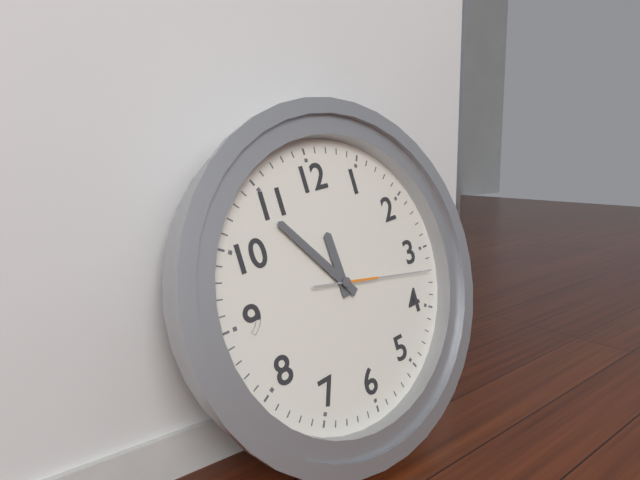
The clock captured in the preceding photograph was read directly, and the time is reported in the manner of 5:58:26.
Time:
11:54:17
